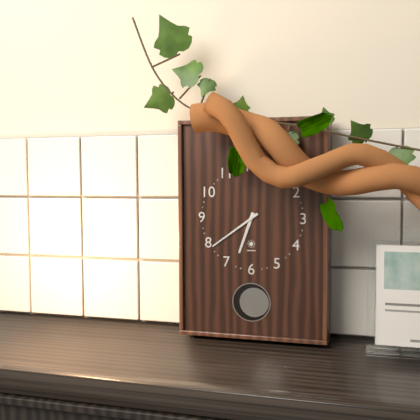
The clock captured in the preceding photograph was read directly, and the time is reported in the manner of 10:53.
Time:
6:39
